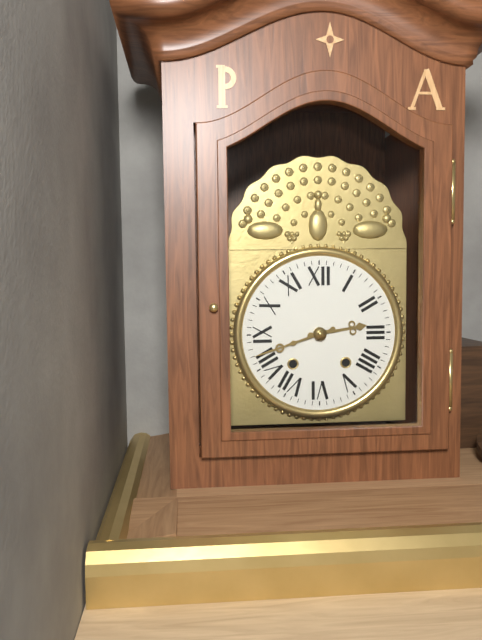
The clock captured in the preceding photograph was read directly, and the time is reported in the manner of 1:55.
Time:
2:42
